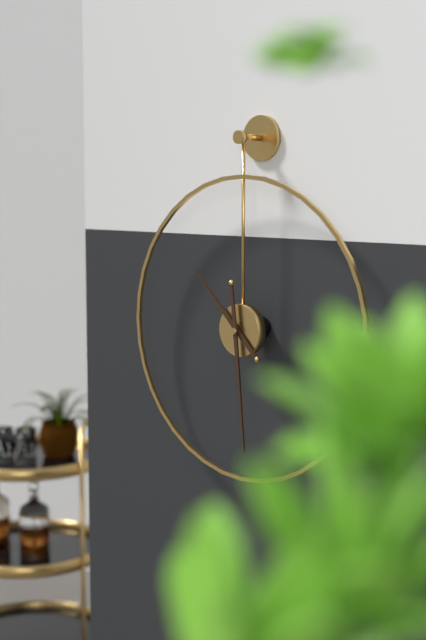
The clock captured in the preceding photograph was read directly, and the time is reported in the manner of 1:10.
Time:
10:29
